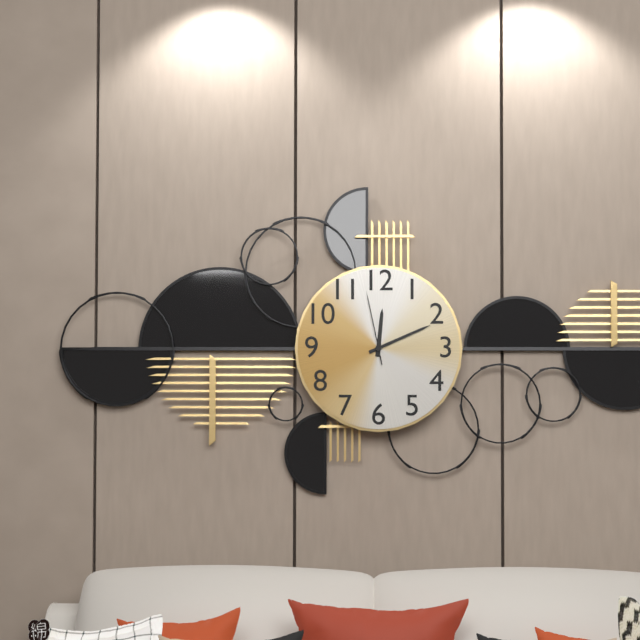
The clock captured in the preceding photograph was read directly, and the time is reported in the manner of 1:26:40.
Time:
12:11:58
